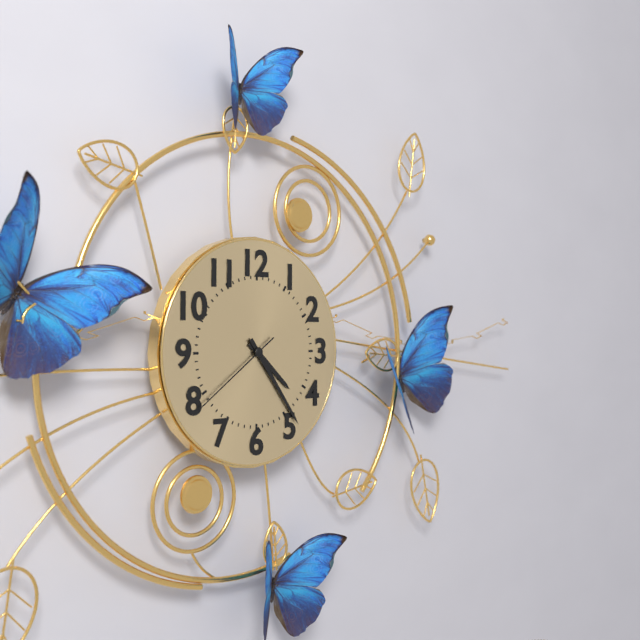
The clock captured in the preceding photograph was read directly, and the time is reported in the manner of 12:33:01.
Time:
4:24:39
